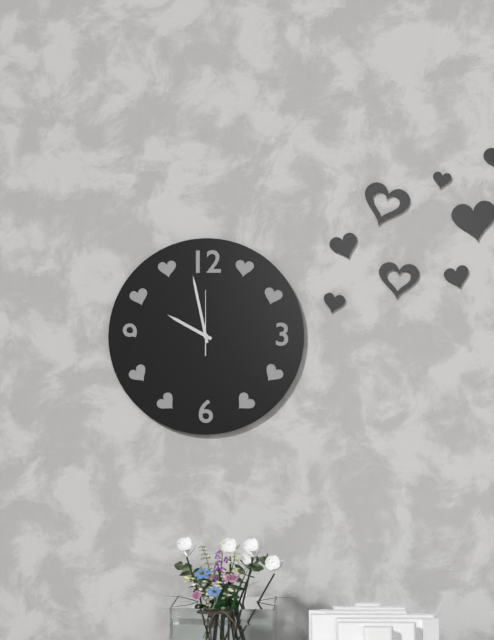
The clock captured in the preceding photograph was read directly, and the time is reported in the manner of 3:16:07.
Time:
9:58:00
